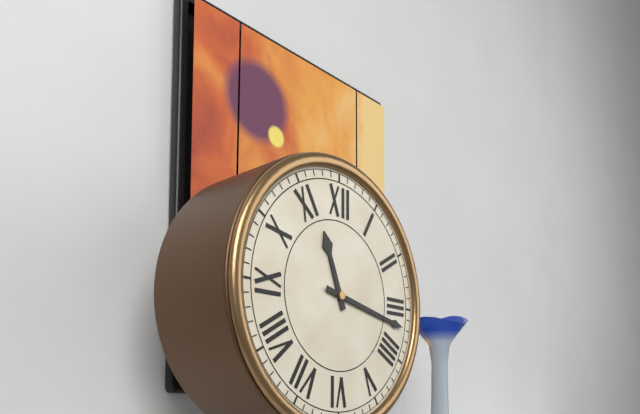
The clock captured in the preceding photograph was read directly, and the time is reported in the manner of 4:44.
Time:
11:17
